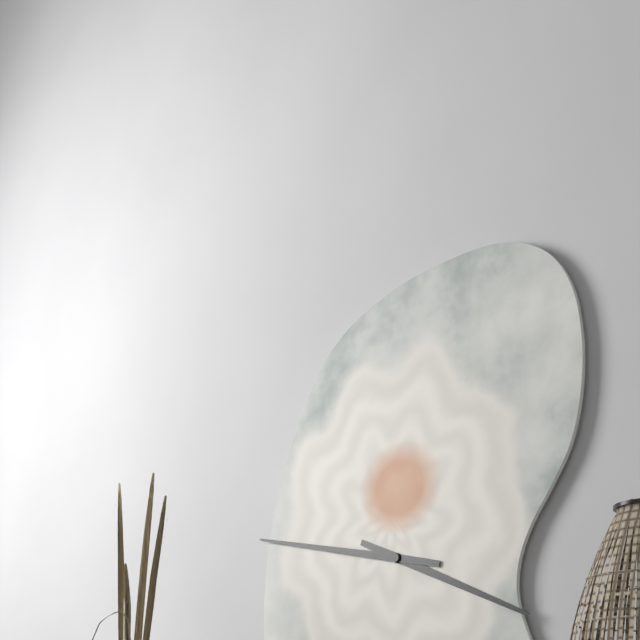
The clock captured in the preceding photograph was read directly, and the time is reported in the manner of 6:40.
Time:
3:47
